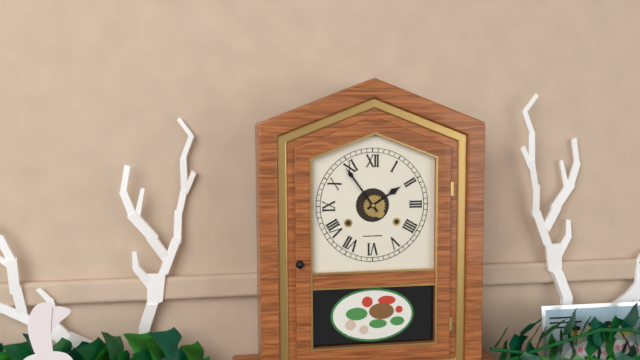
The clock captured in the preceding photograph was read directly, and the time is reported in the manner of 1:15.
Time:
1:54
